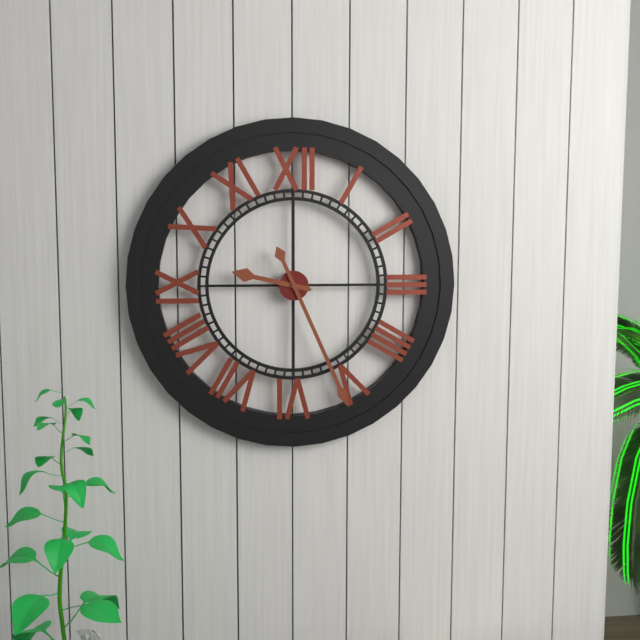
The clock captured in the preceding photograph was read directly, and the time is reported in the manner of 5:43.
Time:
9:26
